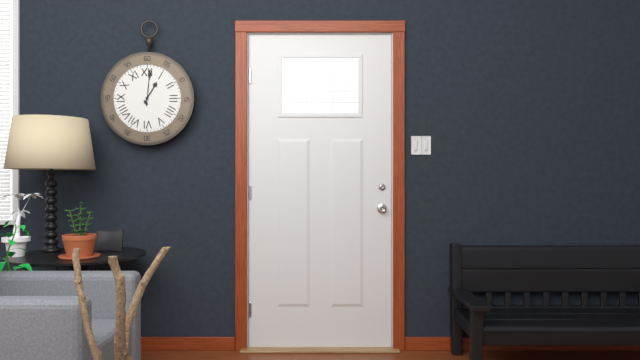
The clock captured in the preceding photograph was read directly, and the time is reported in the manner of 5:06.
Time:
1:01
